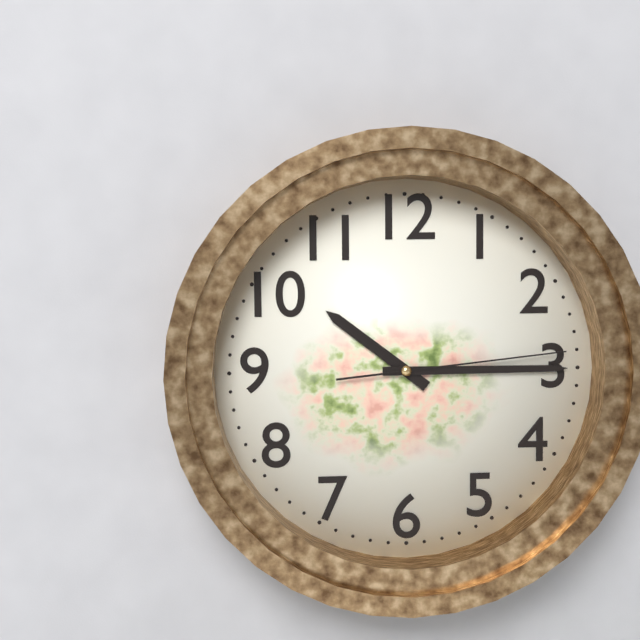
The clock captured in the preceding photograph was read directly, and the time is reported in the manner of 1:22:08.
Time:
10:15:14
